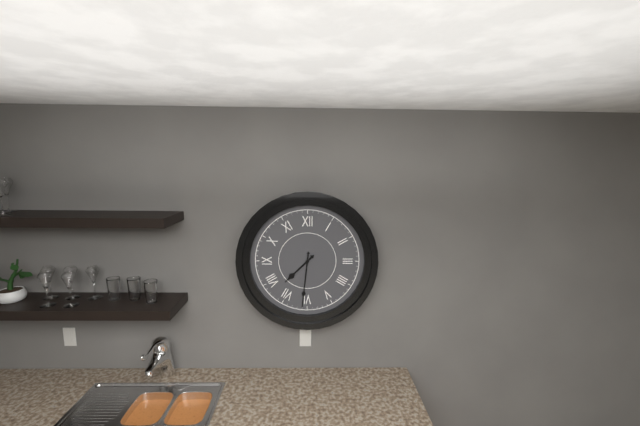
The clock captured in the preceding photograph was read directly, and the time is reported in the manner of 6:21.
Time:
7:31
